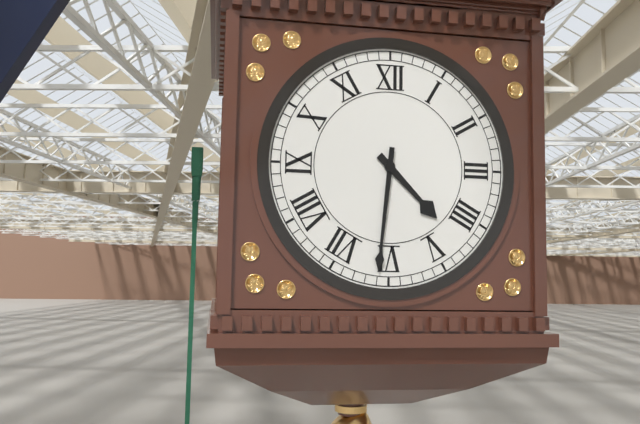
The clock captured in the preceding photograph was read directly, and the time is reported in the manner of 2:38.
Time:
4:31
